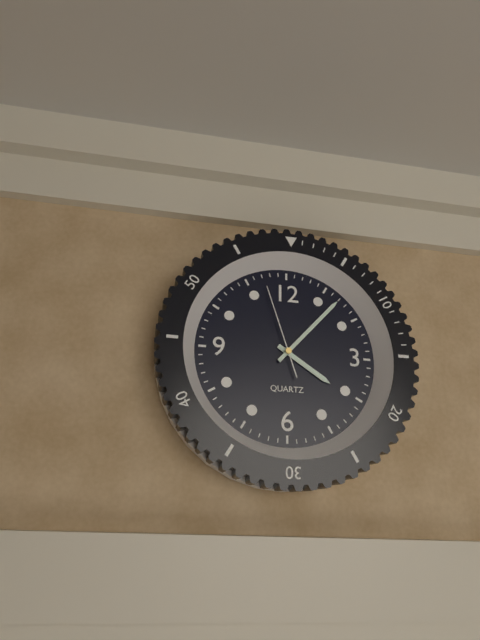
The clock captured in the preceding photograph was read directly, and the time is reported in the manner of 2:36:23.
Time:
4:07:57
